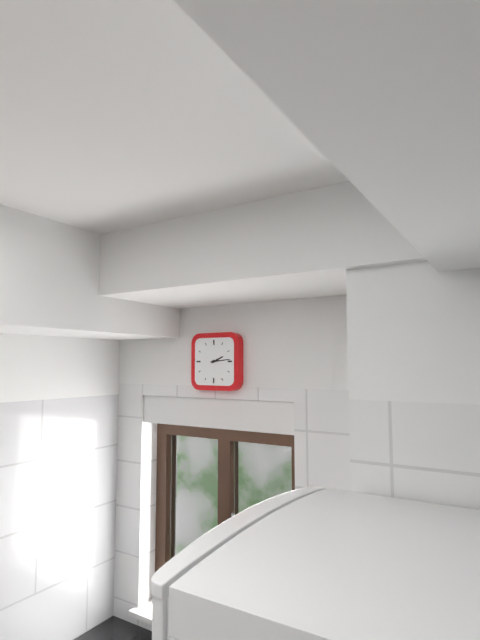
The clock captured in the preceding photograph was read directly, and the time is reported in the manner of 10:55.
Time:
2:14
